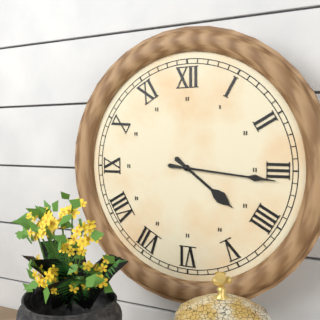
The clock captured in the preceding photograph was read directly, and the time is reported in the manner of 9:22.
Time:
4:16
